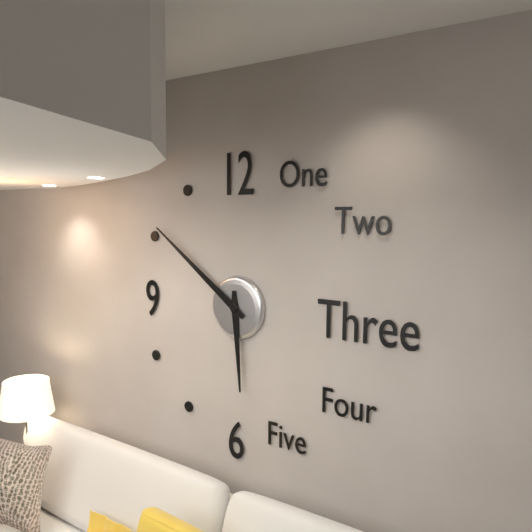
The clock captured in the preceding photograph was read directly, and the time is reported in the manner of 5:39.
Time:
5:51
